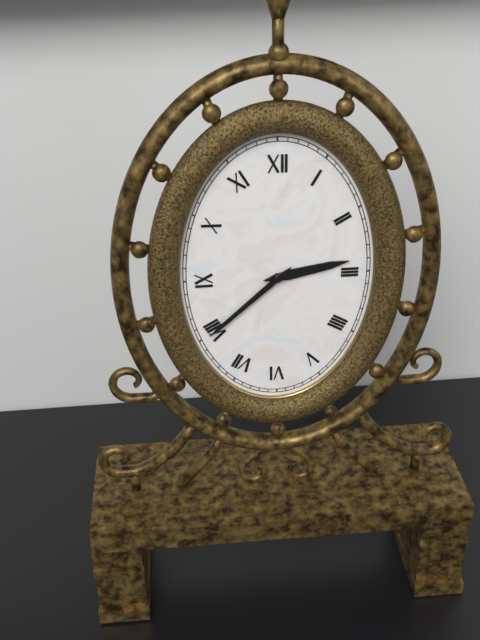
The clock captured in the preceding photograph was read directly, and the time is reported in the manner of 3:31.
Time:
2:38
